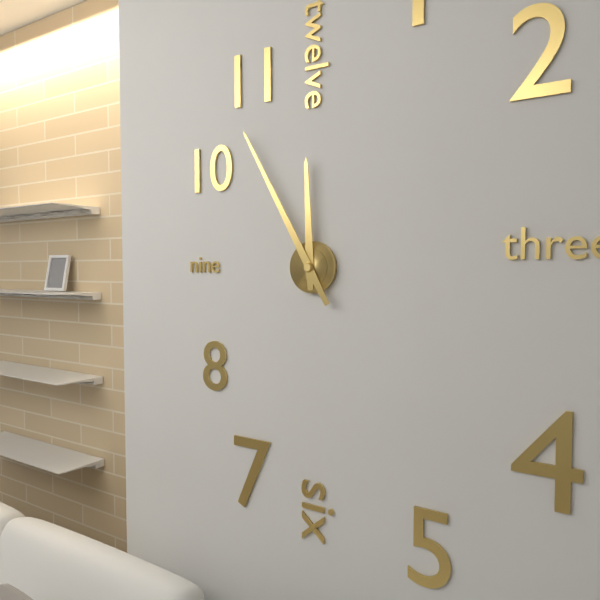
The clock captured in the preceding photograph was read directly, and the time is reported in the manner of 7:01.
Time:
11:55
